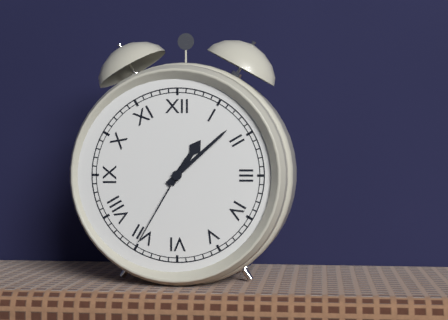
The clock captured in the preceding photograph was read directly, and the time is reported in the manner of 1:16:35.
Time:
1:08:35
